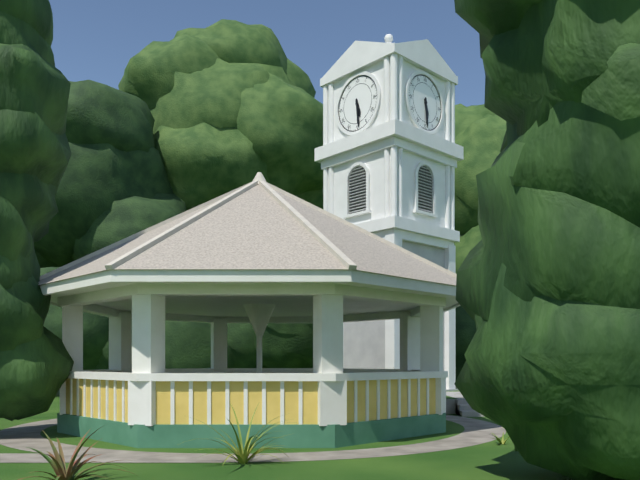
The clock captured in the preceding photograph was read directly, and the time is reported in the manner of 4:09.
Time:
5:29
